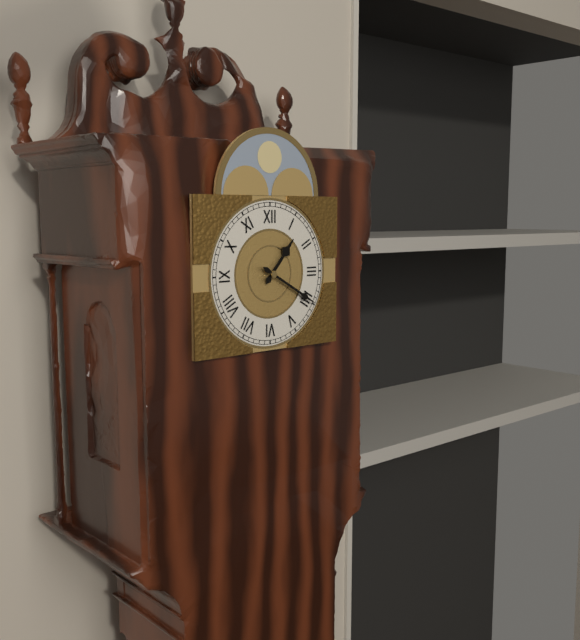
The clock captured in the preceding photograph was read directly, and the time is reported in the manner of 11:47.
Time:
1:20
